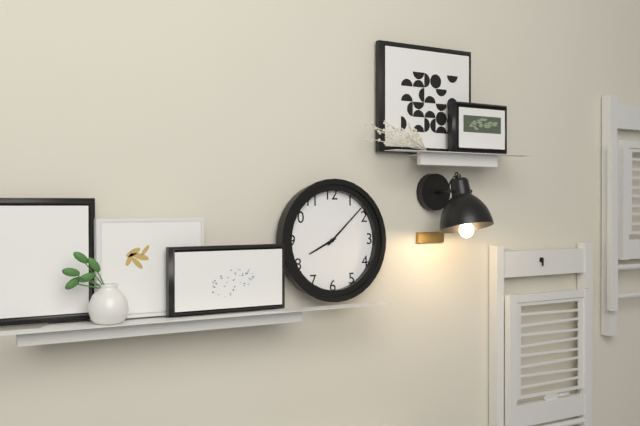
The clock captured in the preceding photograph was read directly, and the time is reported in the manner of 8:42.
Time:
8:08
